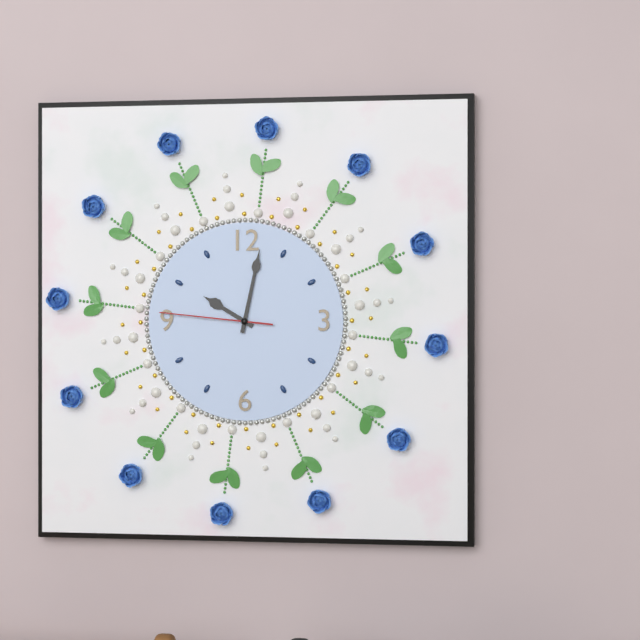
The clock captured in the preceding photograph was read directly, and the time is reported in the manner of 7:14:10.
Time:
10:02:46
